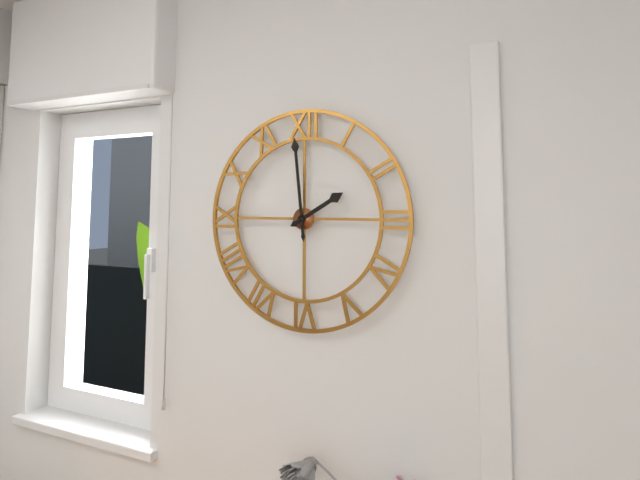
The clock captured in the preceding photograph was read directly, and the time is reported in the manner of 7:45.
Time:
1:59
